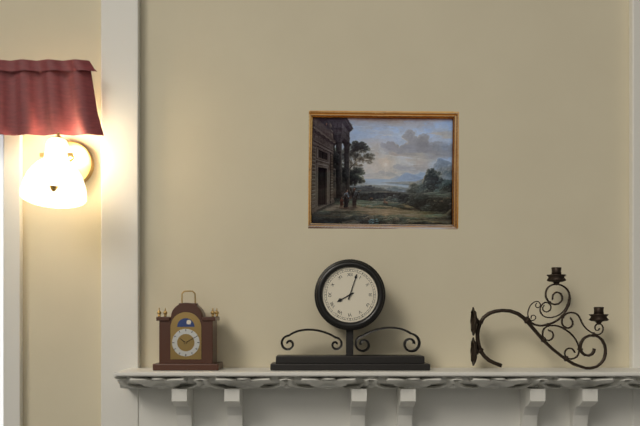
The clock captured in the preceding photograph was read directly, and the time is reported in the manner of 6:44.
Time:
8:03
